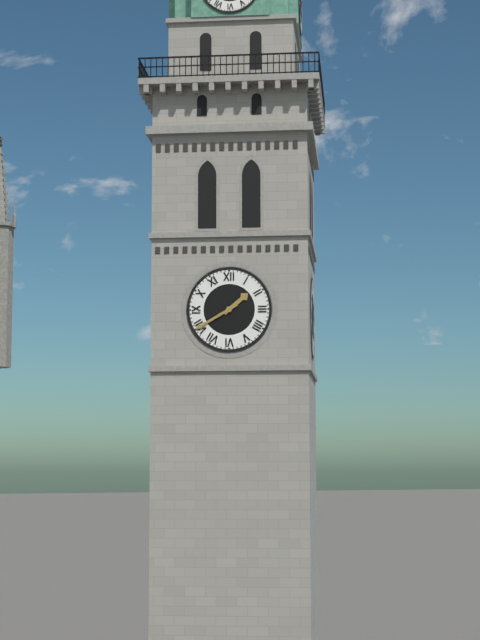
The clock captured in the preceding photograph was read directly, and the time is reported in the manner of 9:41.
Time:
1:40
